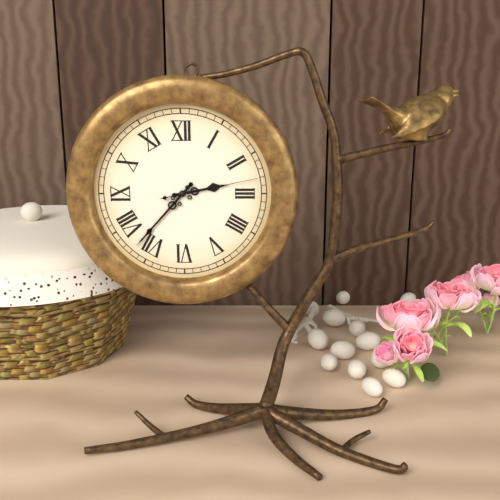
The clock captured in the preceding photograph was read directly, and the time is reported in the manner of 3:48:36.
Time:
2:37:13
